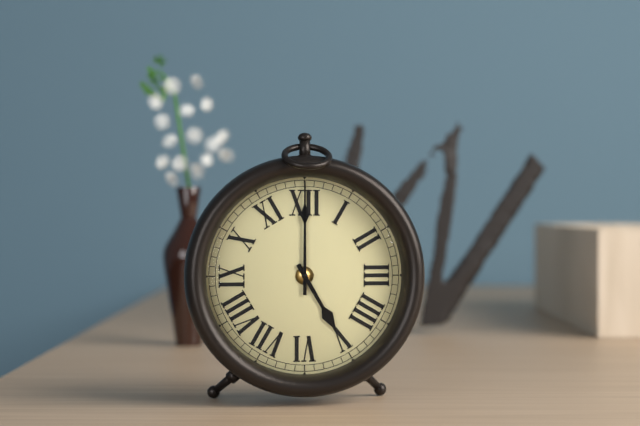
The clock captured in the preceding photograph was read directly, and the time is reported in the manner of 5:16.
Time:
5:00
